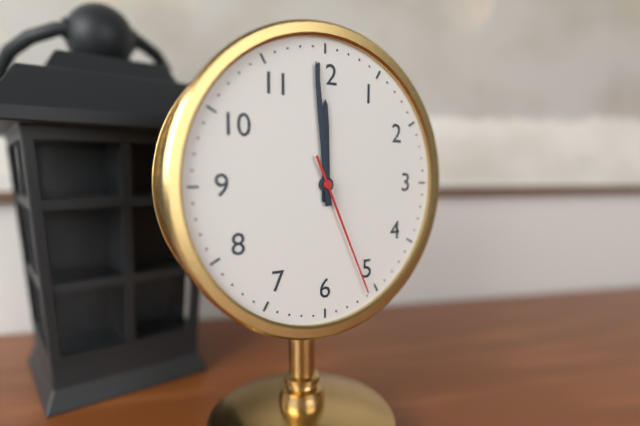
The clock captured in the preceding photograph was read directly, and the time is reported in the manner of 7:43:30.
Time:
11:59:26
